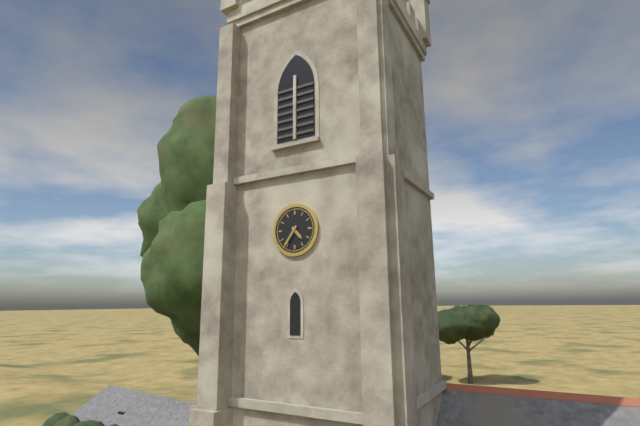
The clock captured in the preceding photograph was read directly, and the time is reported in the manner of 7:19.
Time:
4:36
